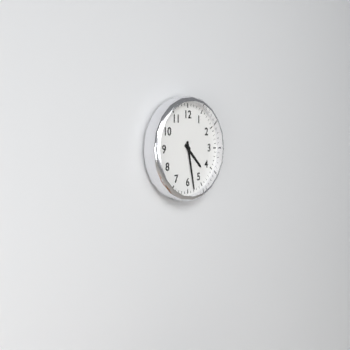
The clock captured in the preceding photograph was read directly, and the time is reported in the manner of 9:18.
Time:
4:28
